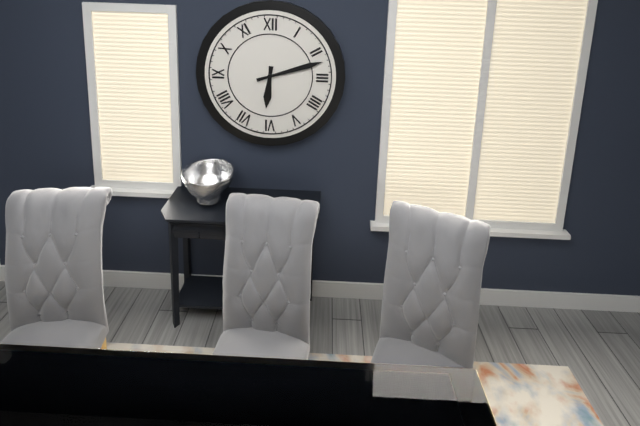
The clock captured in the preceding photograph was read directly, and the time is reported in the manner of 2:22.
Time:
6:12
